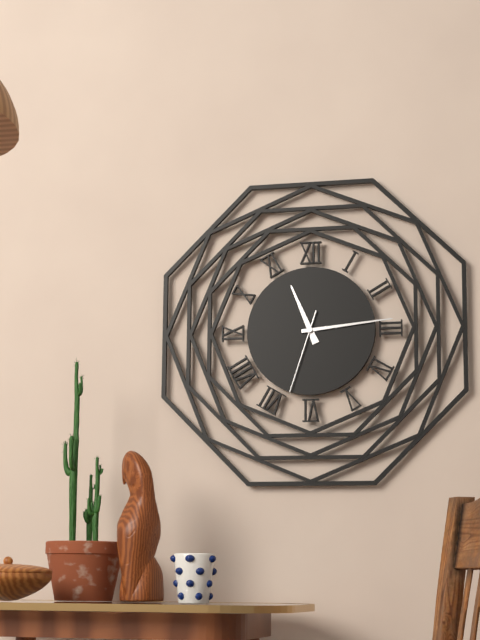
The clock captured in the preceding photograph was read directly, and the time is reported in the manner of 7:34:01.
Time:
11:14:33
